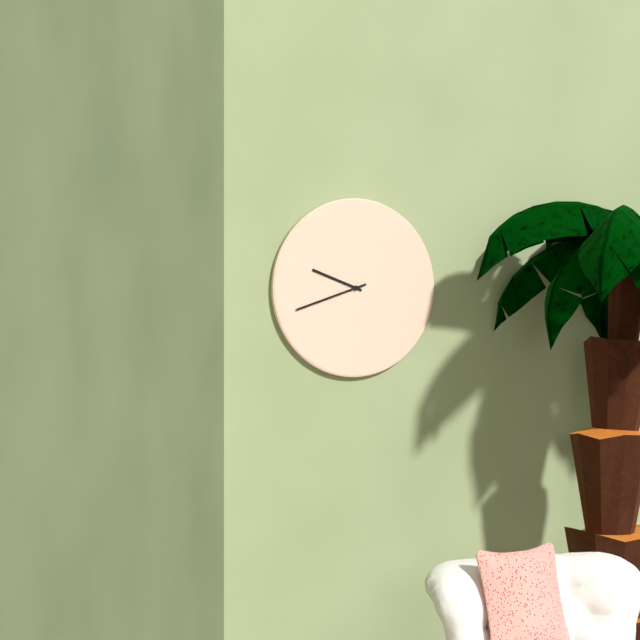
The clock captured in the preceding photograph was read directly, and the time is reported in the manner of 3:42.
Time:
9:42
